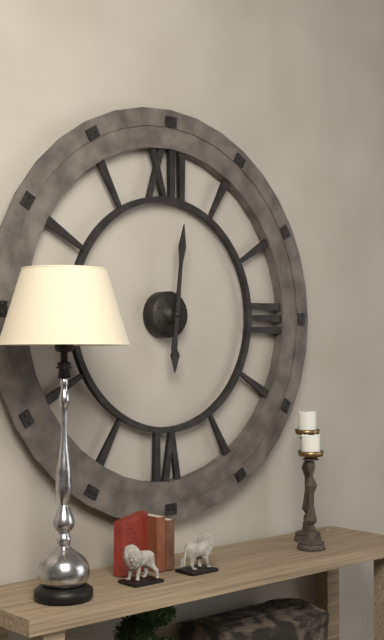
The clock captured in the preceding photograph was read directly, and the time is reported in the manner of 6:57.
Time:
6:01
